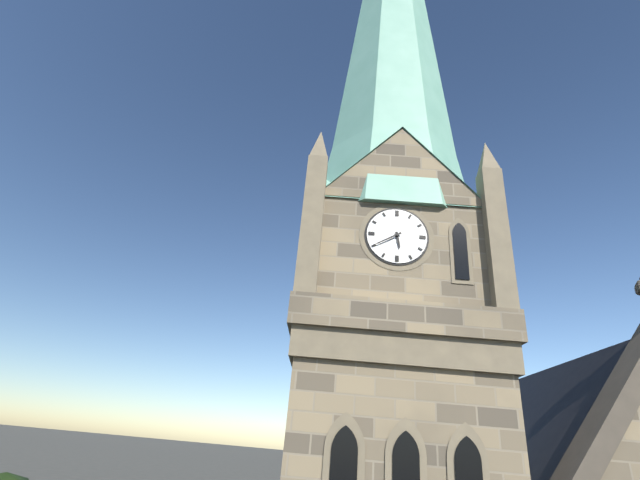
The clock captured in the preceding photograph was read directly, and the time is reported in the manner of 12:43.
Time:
5:40
